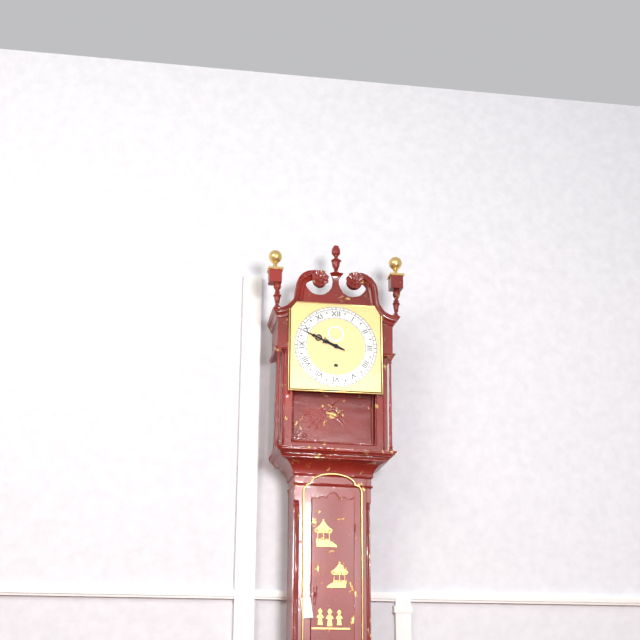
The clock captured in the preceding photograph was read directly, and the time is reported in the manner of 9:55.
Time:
9:49
